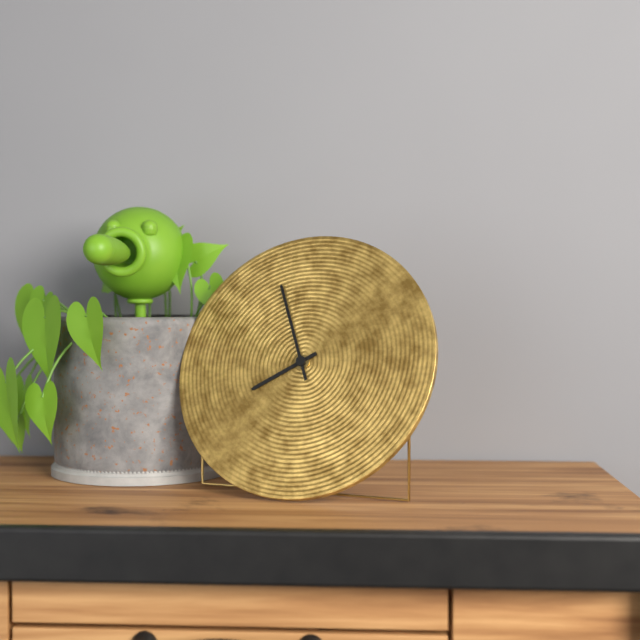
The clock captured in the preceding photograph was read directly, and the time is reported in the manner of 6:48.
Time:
7:56
